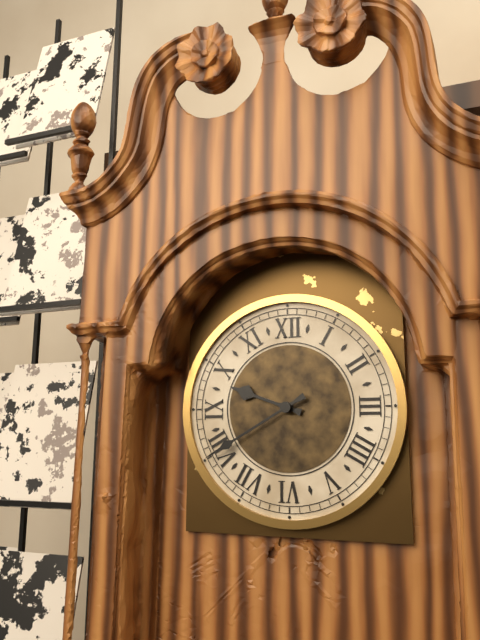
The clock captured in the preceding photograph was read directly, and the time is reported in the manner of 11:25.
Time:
9:40
